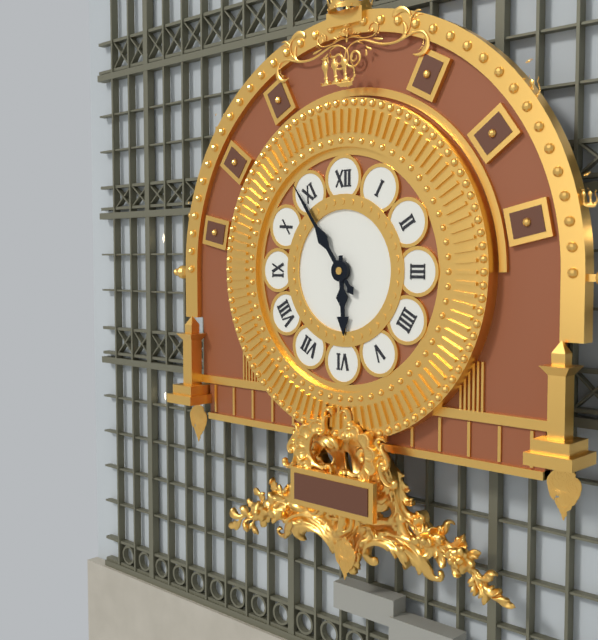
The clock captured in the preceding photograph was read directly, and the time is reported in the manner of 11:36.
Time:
5:54
